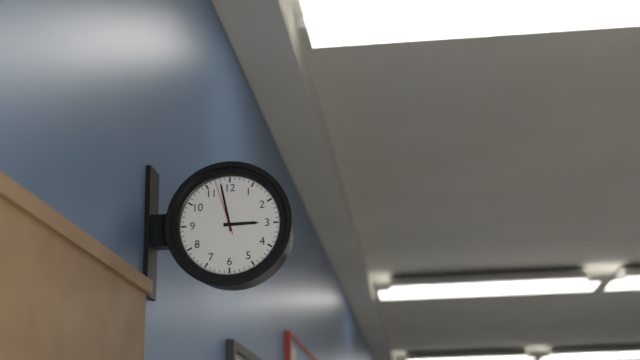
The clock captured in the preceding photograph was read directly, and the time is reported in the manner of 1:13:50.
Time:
2:58:57
